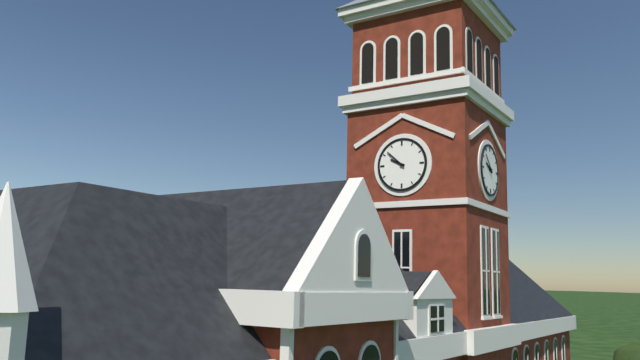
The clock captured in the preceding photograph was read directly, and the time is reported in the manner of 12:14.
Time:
9:52
